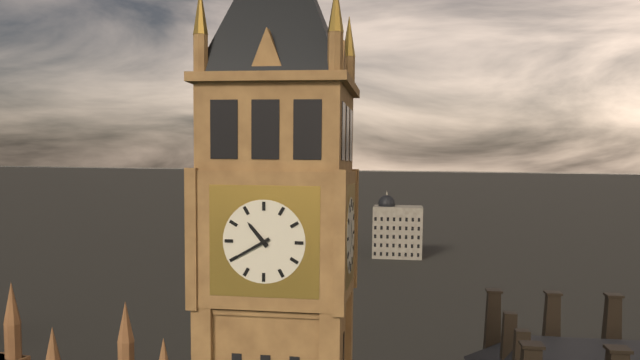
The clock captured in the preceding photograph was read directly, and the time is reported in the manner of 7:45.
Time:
10:40
